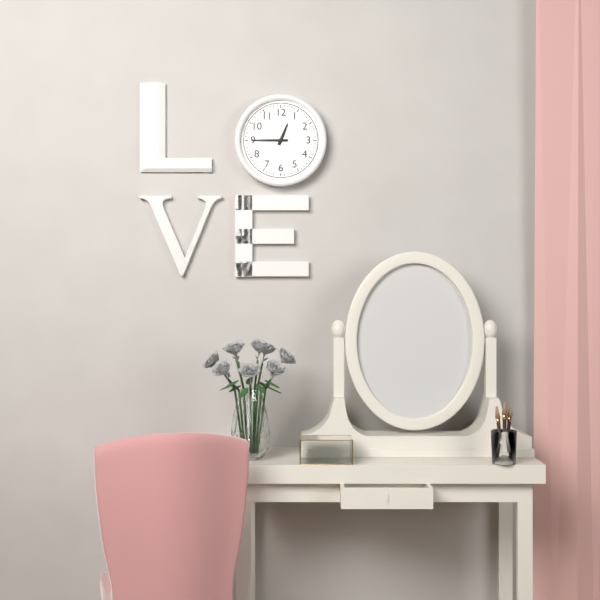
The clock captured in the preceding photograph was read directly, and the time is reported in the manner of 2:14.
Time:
12:45
